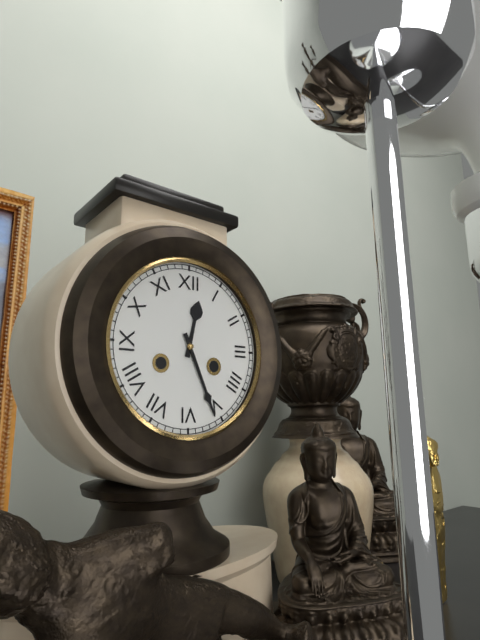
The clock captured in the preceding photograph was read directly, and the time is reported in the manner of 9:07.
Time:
12:26
